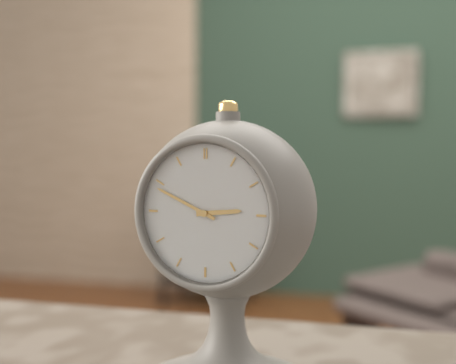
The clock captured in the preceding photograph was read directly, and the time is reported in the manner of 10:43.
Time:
2:49
